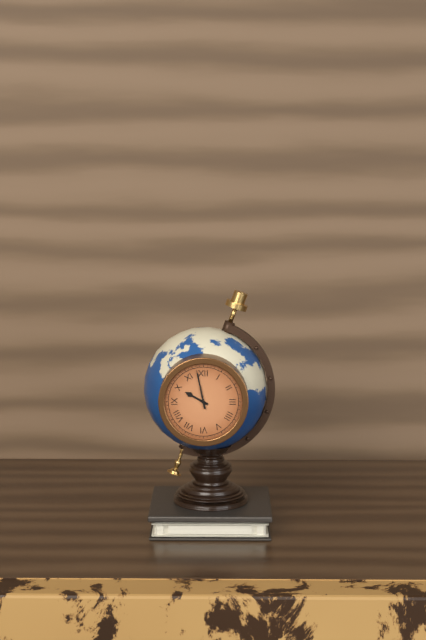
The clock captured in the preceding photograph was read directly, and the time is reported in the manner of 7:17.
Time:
9:58
